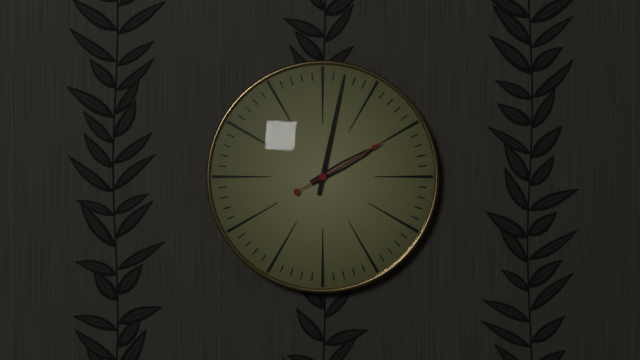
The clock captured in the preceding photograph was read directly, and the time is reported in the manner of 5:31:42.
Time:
2:02:10
